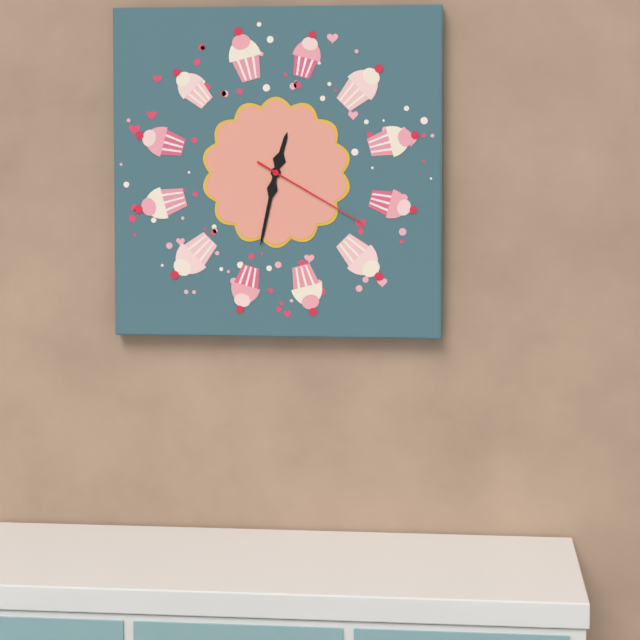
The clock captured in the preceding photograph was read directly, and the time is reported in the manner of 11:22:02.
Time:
12:32:20
